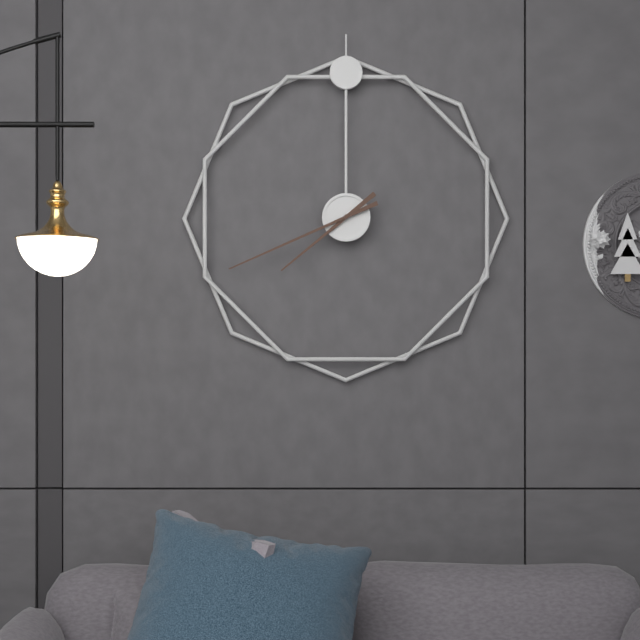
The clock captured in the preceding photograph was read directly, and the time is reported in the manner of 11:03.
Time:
7:41
